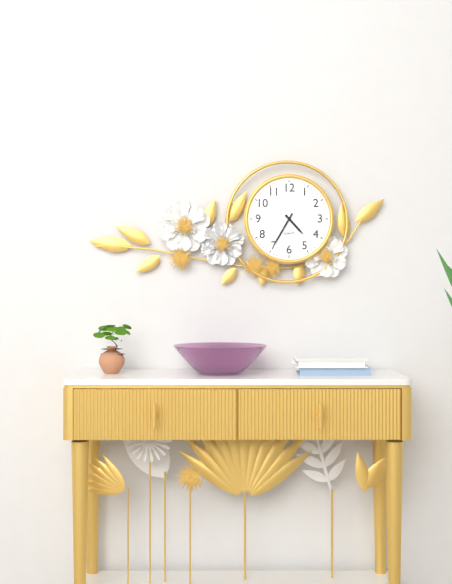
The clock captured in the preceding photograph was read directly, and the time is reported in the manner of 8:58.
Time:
4:35
